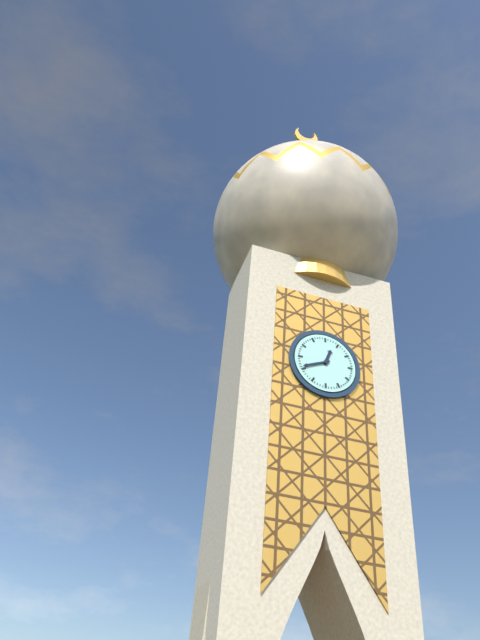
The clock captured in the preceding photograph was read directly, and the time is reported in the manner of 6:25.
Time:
12:41
